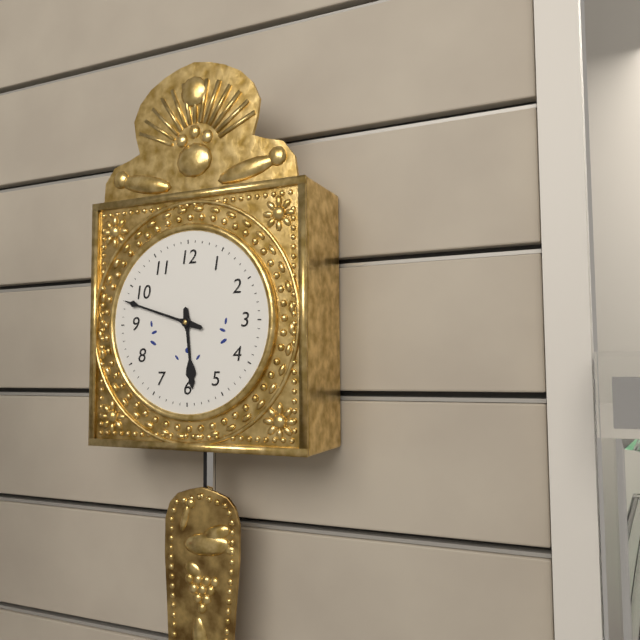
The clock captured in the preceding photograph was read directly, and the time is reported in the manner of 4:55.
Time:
5:48
